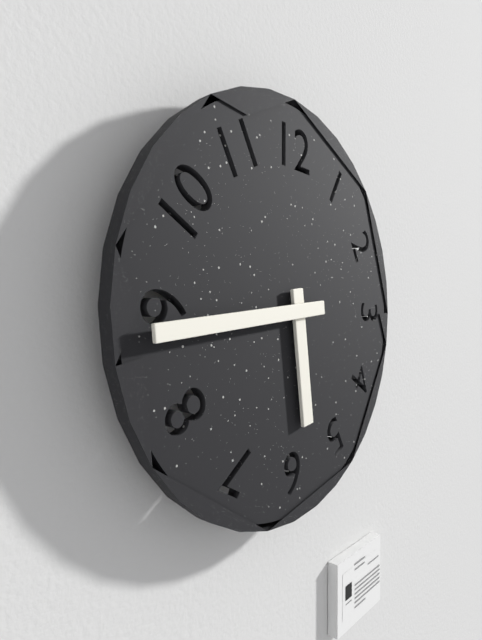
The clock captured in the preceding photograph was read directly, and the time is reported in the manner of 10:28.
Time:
5:44
